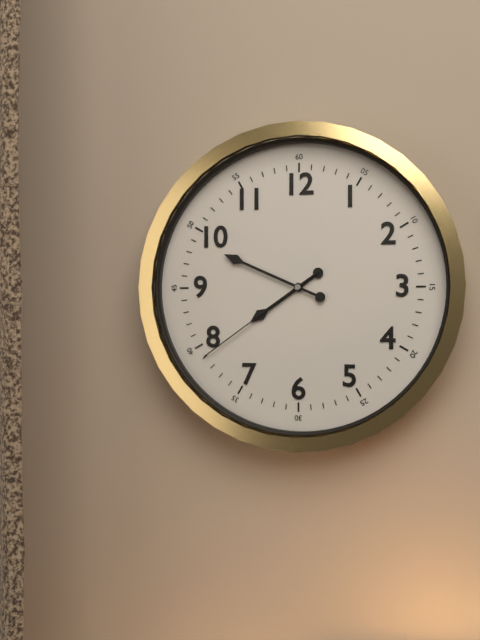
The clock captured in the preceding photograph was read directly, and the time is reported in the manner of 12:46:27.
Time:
7:49:39
